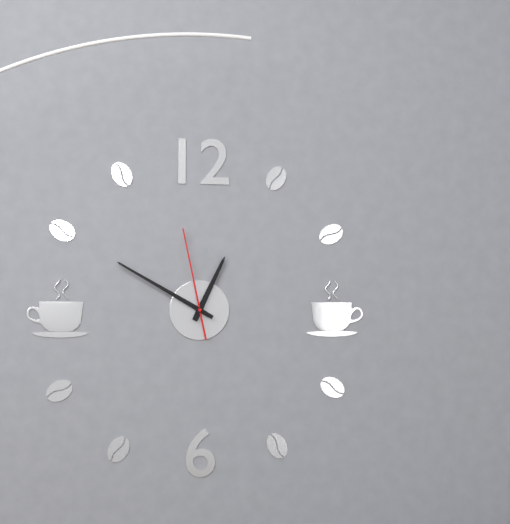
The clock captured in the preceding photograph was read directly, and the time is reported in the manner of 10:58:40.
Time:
12:50:58
